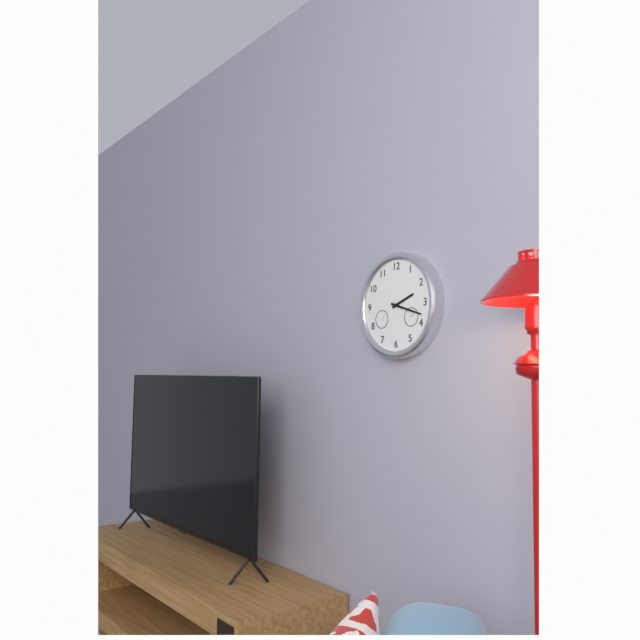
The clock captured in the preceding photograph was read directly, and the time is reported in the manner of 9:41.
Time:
2:18
